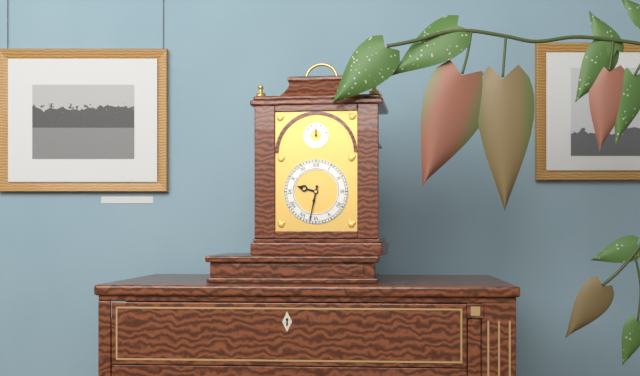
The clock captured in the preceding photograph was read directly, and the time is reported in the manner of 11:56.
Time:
9:32
